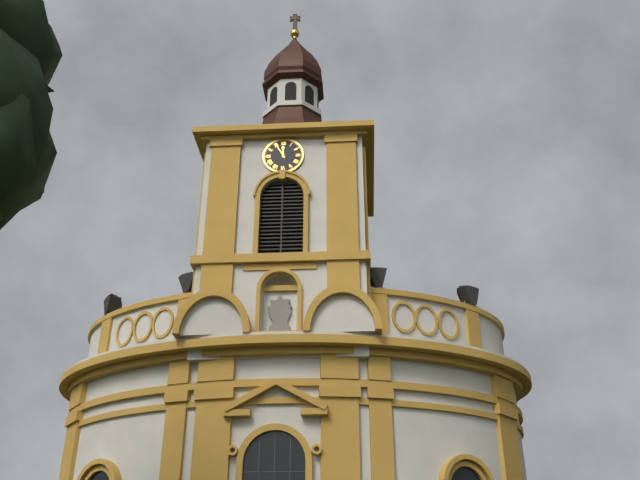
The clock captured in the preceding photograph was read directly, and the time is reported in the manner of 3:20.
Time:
11:55
